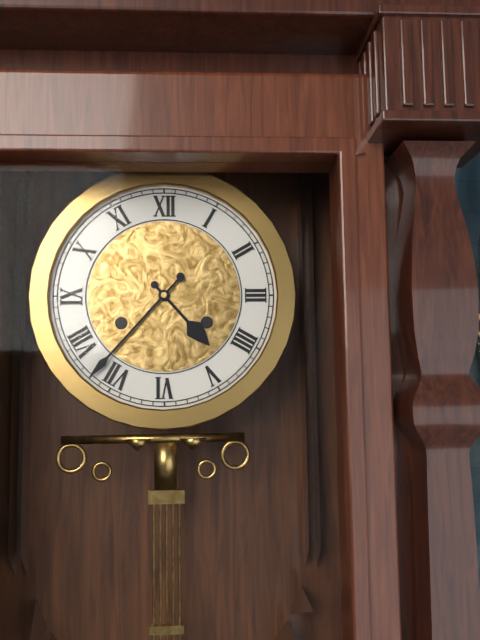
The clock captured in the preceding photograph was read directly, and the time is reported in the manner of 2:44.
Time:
4:37
